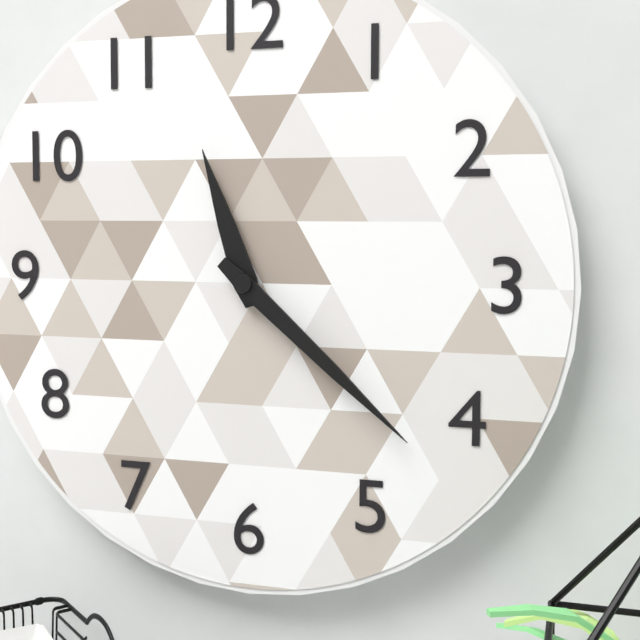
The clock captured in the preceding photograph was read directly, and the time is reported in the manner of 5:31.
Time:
11:22
